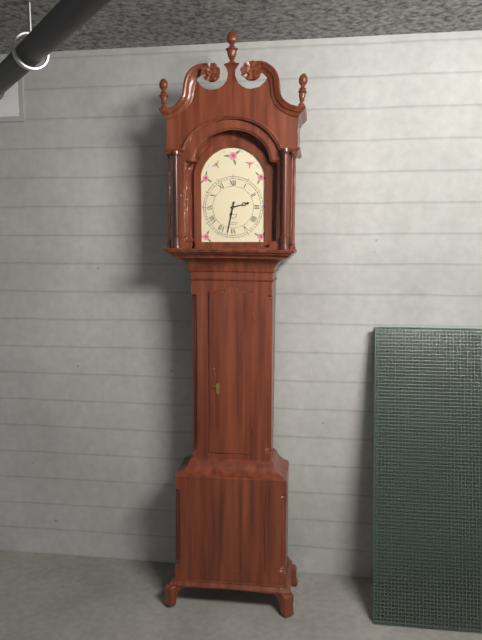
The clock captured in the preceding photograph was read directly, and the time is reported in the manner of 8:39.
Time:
2:32
